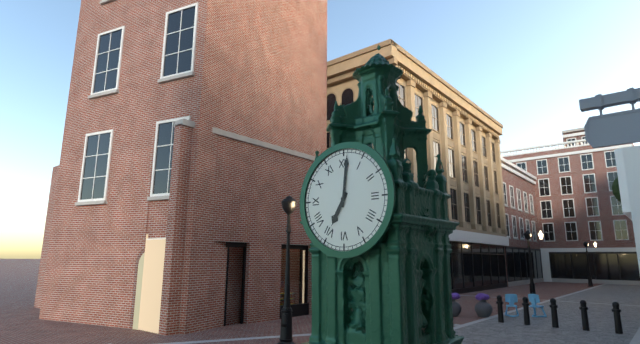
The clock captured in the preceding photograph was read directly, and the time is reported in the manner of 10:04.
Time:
7:01
